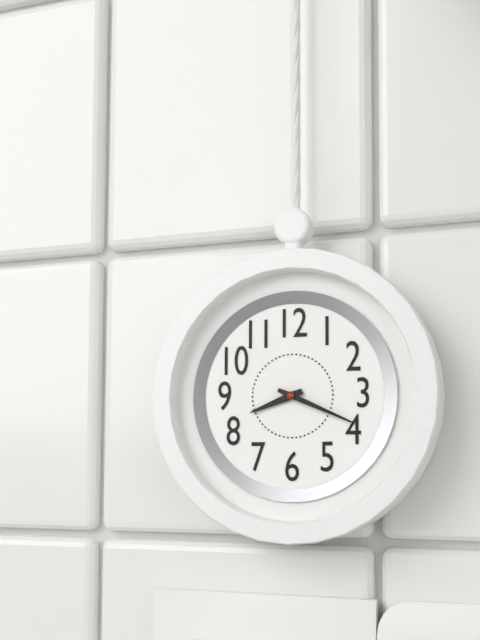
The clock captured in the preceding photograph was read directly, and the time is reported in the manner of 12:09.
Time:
8:19
